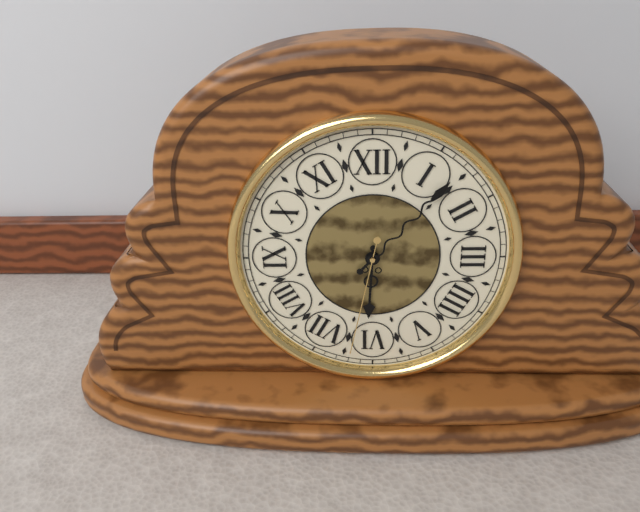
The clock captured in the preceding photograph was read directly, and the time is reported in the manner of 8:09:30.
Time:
6:07:32
